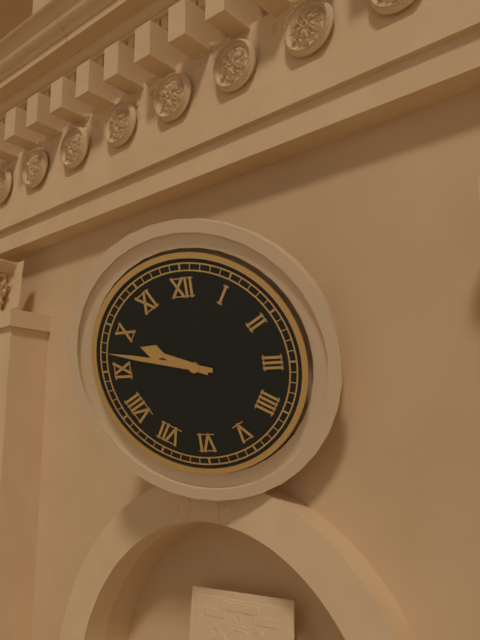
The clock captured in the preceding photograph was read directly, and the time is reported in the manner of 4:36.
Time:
9:47
